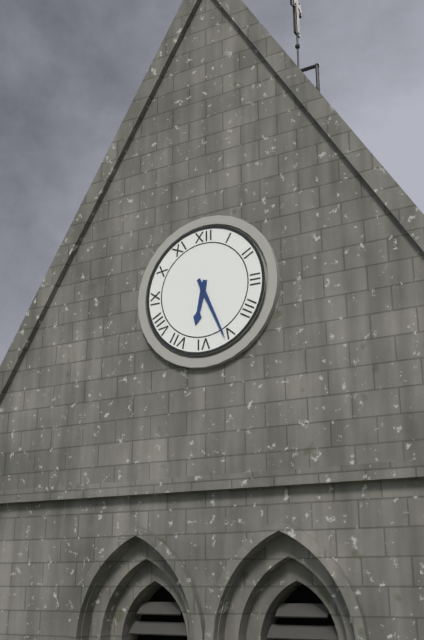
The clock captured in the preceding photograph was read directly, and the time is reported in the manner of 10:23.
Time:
6:26
